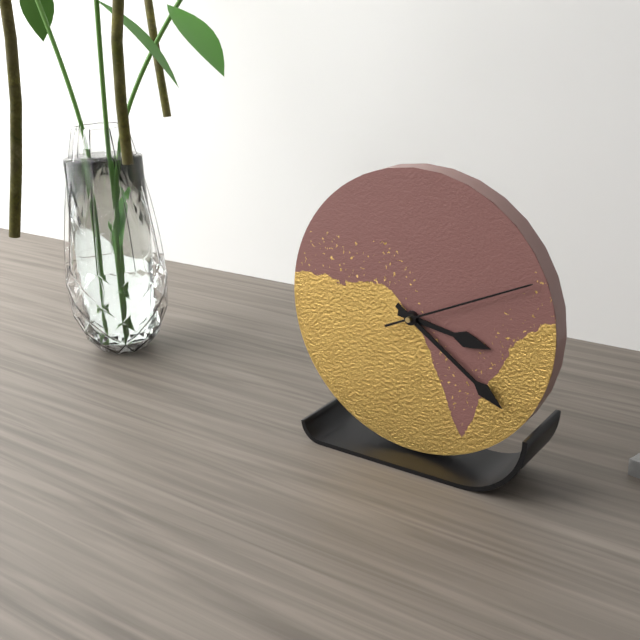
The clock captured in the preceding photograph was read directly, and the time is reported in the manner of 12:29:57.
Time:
3:21:11
